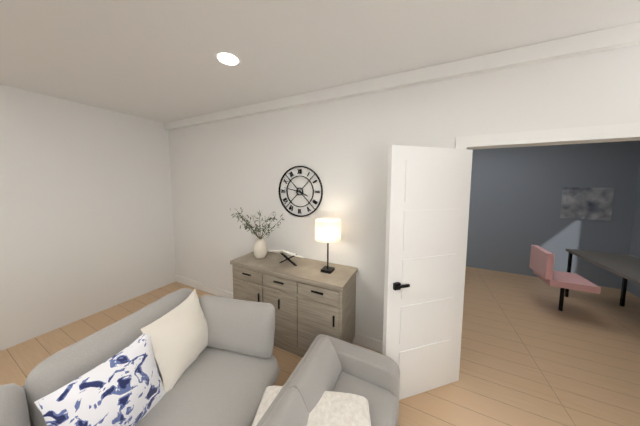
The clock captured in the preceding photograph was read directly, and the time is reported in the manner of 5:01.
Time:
3:47
